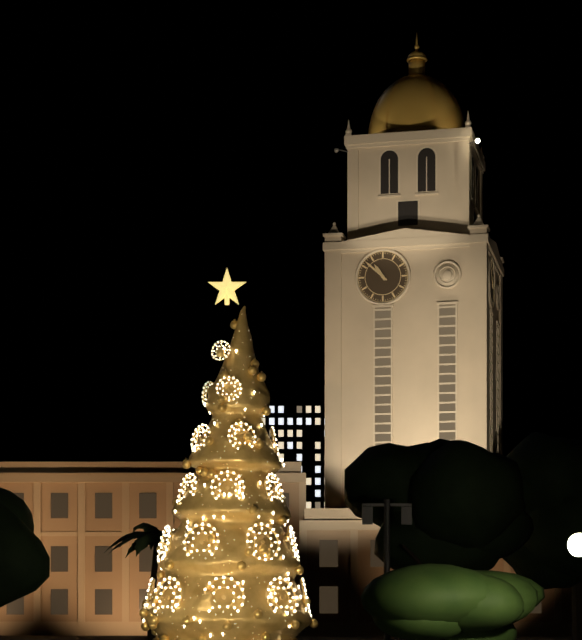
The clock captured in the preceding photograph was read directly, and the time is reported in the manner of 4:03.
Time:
10:52
